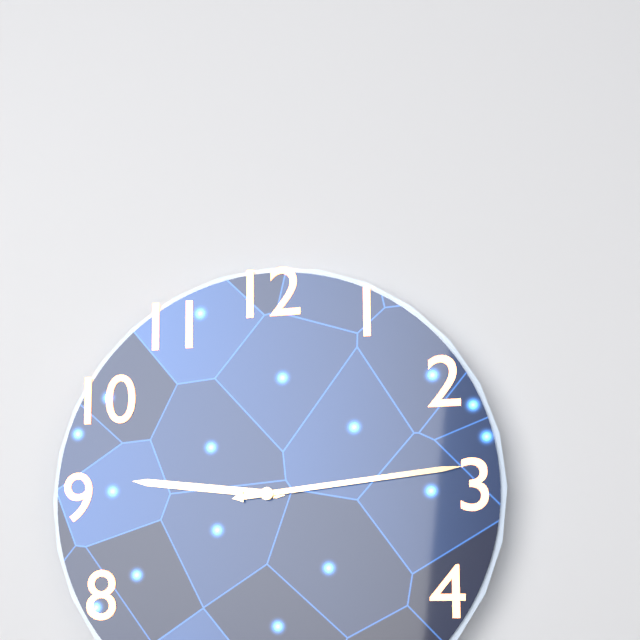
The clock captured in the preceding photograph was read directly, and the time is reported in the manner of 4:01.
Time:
9:14
